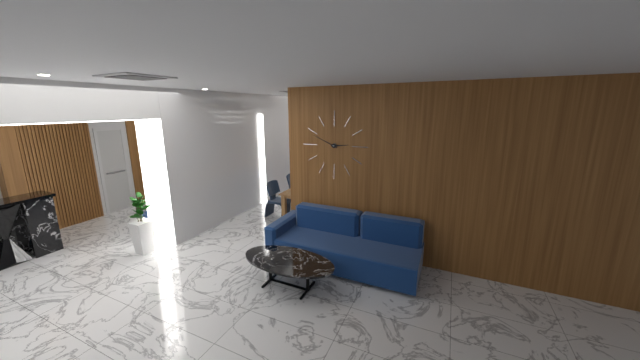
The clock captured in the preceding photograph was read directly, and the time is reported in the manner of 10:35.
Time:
2:49
